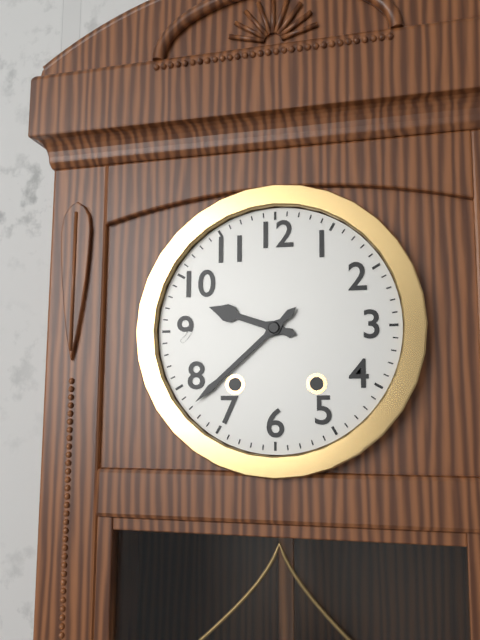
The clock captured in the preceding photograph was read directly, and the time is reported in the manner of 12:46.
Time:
9:38
